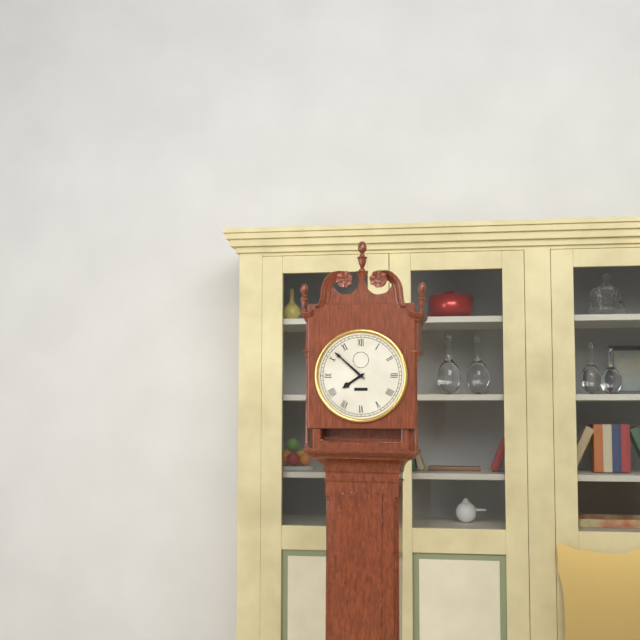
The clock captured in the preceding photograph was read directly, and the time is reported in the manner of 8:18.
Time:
7:52
